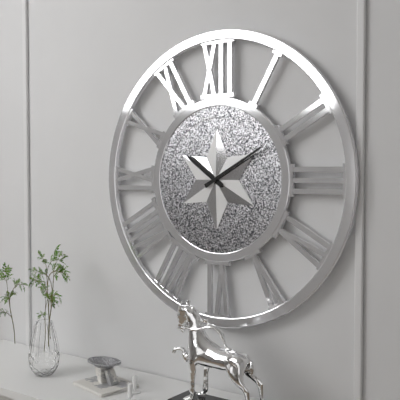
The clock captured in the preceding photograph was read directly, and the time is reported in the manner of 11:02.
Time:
10:10
